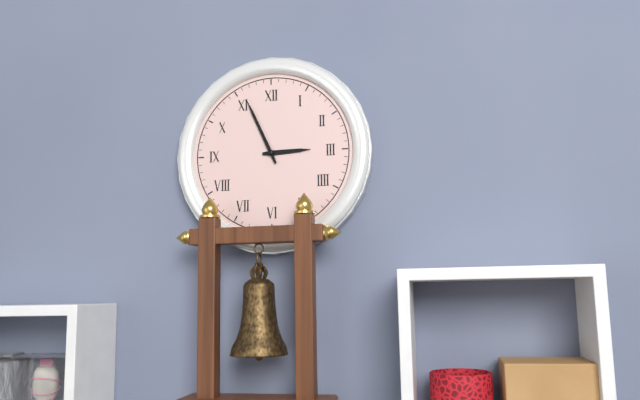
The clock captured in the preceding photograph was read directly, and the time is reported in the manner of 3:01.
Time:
2:56
